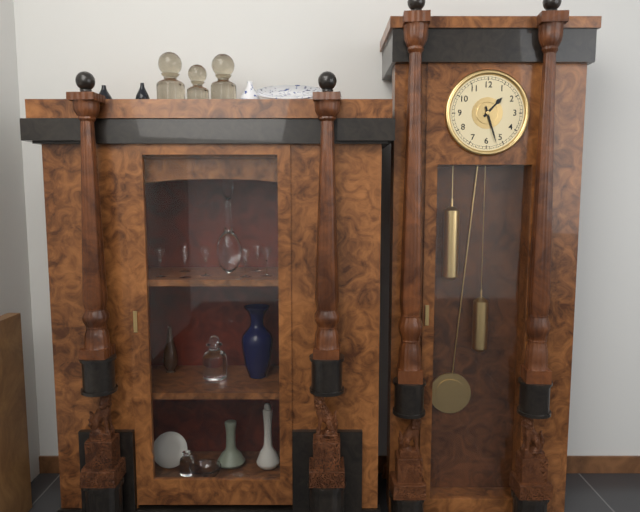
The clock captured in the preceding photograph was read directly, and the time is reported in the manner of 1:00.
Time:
1:27
